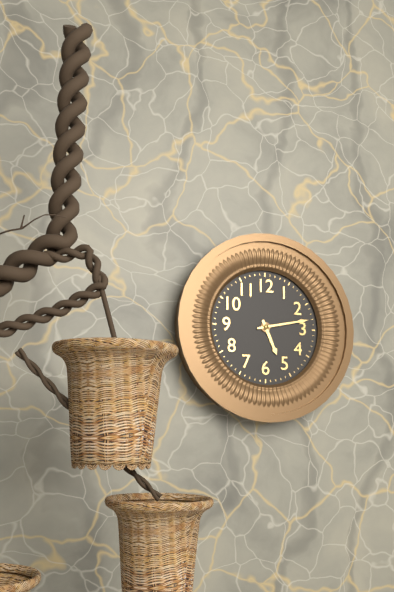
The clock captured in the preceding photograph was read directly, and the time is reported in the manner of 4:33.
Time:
5:13
